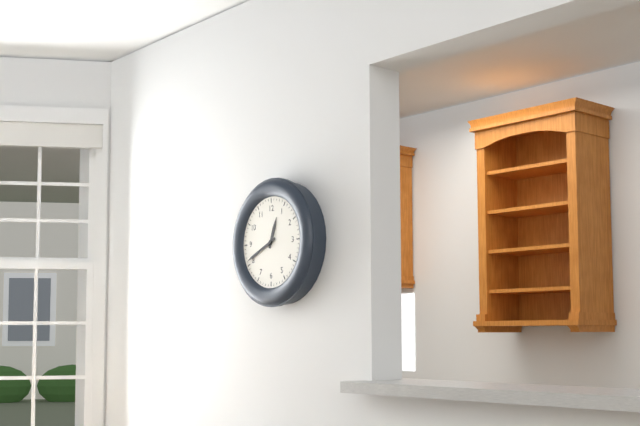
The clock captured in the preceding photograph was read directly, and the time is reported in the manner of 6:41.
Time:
12:41
